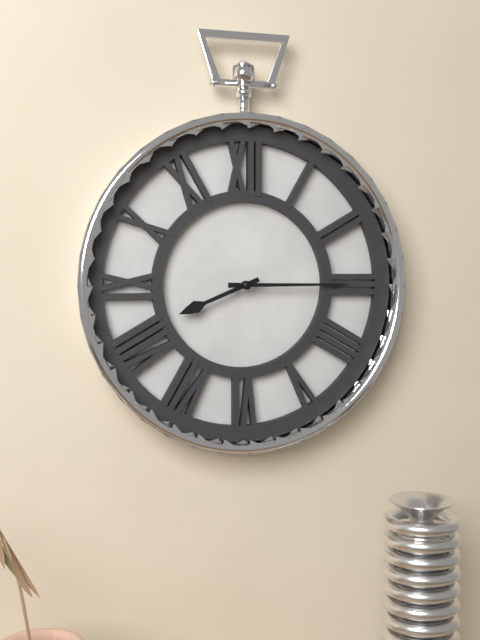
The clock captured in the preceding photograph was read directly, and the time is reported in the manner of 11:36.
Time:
8:15
